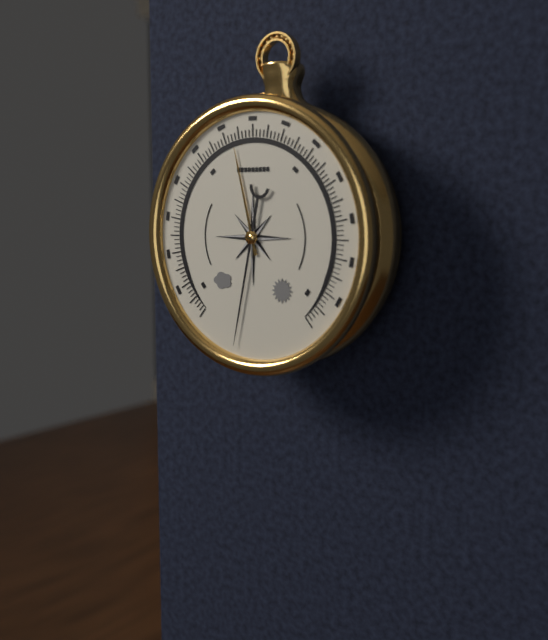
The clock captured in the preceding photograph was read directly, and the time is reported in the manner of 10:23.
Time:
11:32
